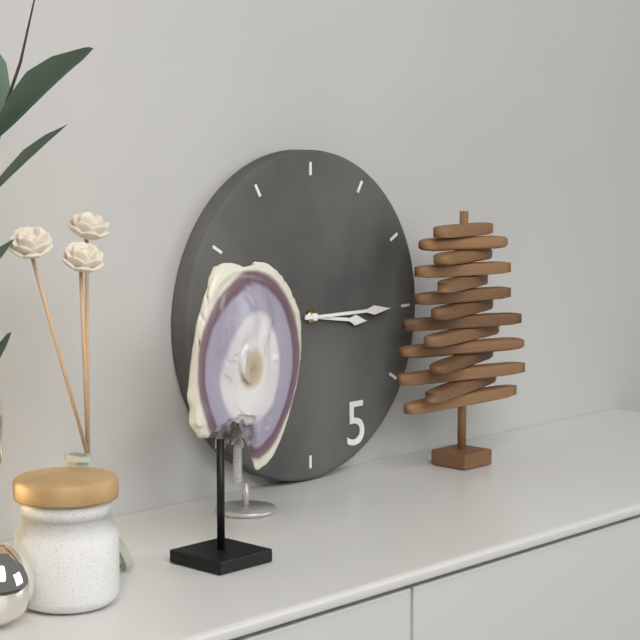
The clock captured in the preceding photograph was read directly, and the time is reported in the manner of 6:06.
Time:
3:15
